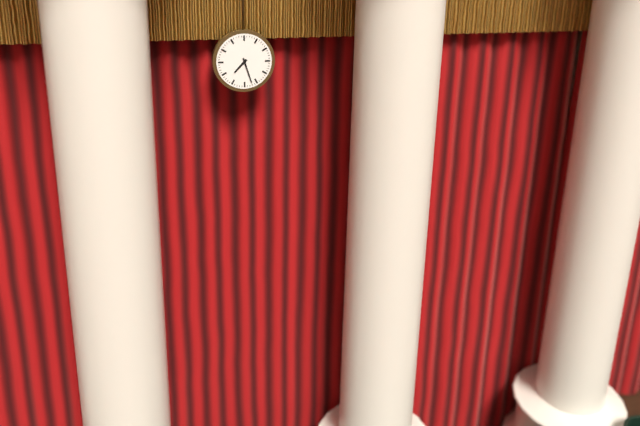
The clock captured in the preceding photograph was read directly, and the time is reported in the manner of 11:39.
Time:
7:27
